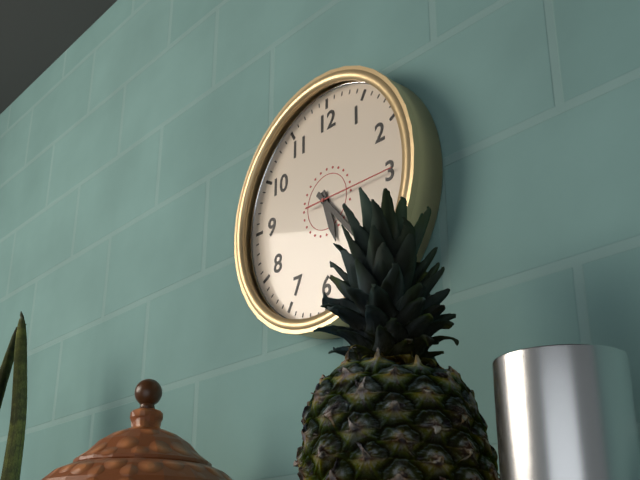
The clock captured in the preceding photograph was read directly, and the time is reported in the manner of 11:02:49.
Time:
5:23:15
